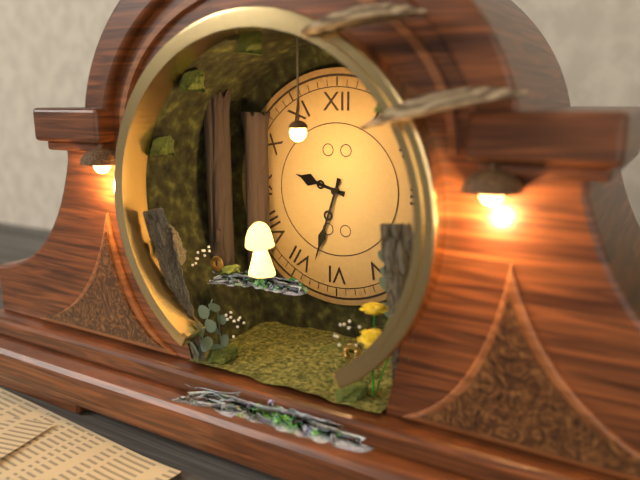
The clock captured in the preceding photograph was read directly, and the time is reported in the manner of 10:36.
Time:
9:33
